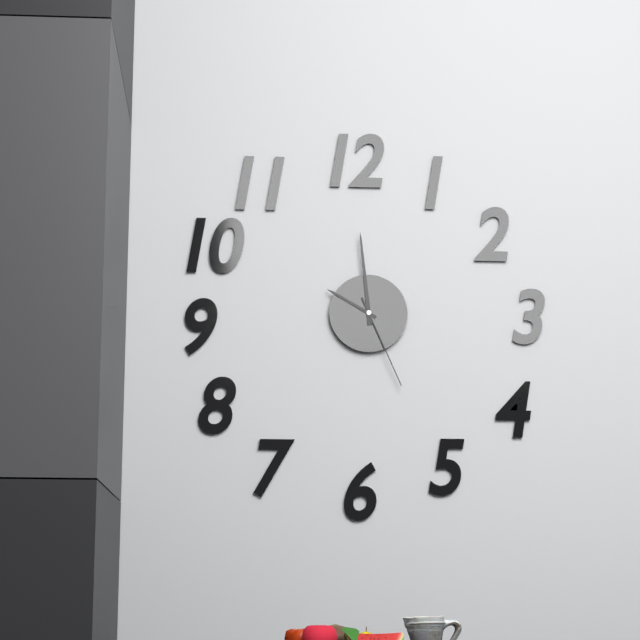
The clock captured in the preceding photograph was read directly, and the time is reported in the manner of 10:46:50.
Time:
9:59:26
